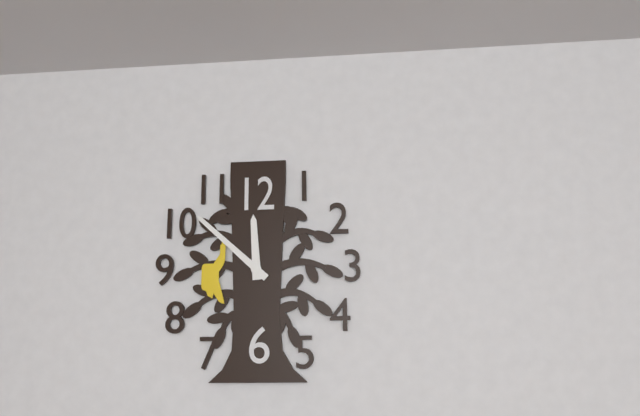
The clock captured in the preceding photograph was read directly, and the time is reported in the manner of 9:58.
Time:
11:52
